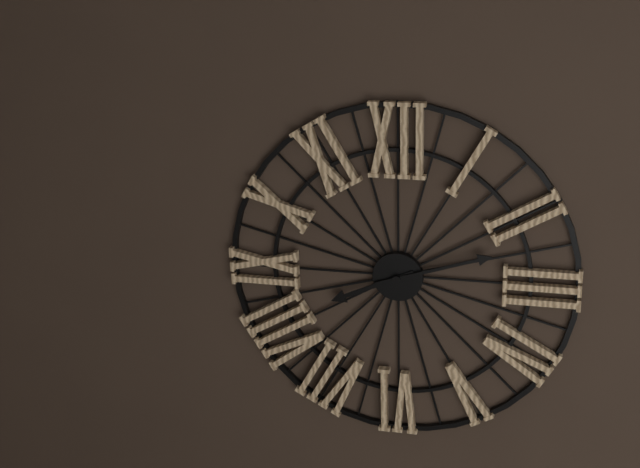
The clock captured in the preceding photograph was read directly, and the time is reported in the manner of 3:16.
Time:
8:12
